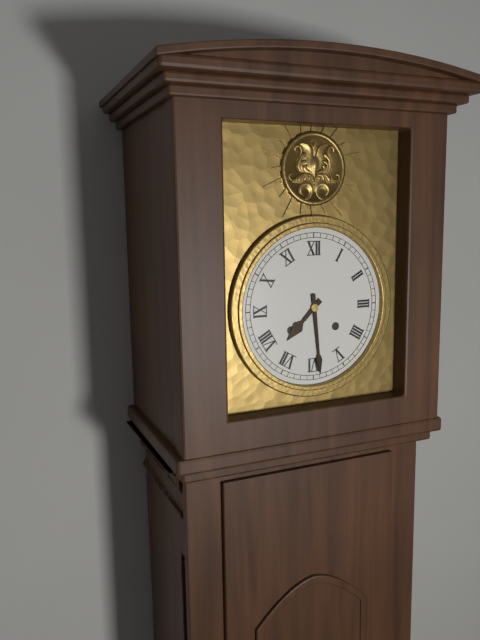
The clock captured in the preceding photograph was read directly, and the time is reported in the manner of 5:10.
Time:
7:29
